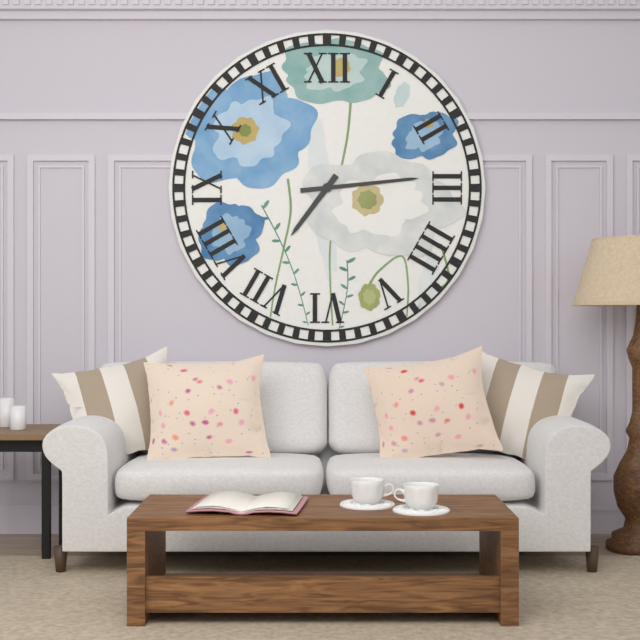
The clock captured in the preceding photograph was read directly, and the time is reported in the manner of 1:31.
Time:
7:14
